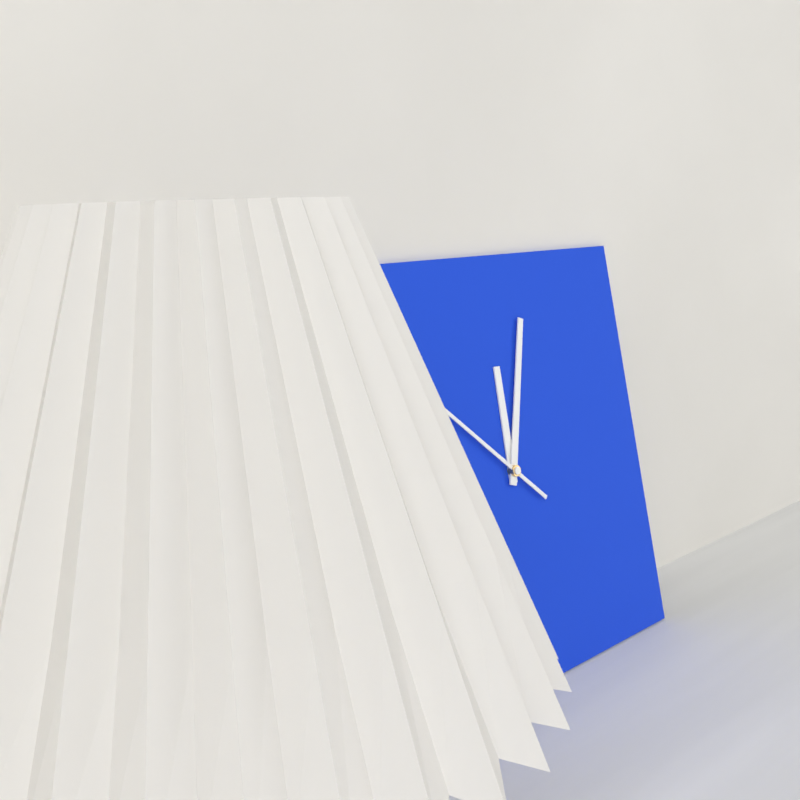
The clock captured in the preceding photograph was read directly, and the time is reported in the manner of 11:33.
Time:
12:03
